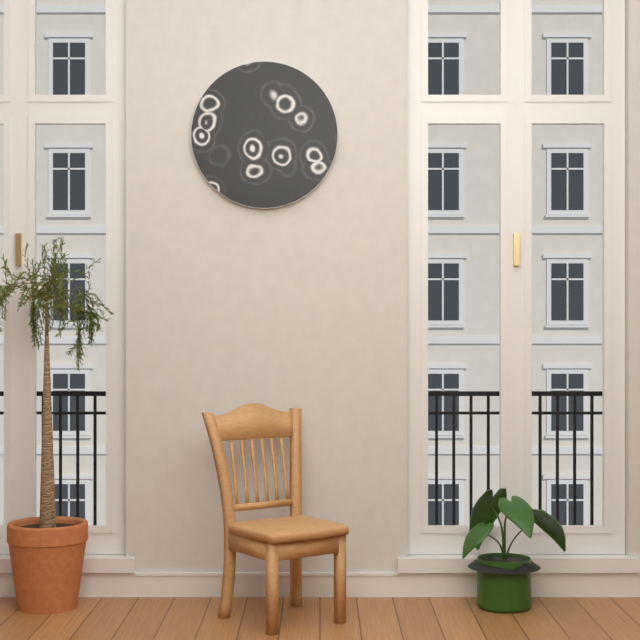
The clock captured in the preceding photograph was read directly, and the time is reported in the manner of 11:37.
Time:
10:58
